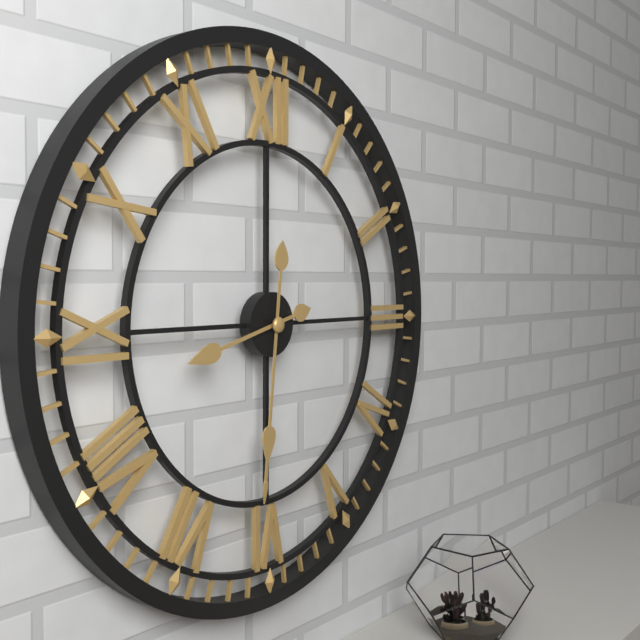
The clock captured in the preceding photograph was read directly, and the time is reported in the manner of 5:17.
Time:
8:31
